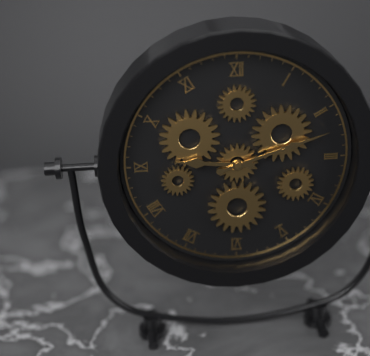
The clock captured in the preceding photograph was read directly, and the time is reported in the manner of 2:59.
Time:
9:12
